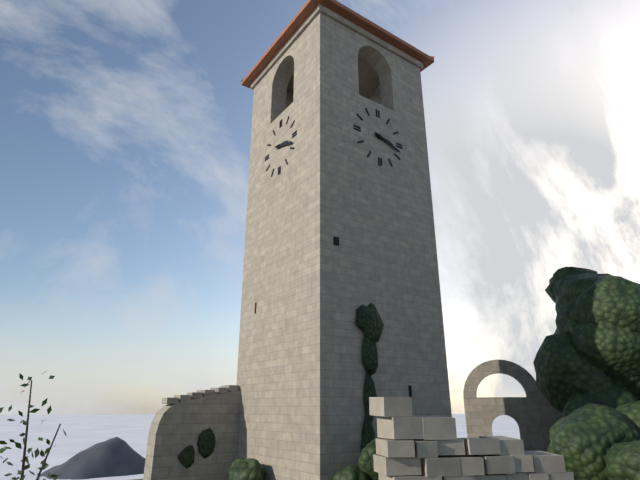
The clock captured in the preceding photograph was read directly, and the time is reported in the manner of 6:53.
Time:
3:18
